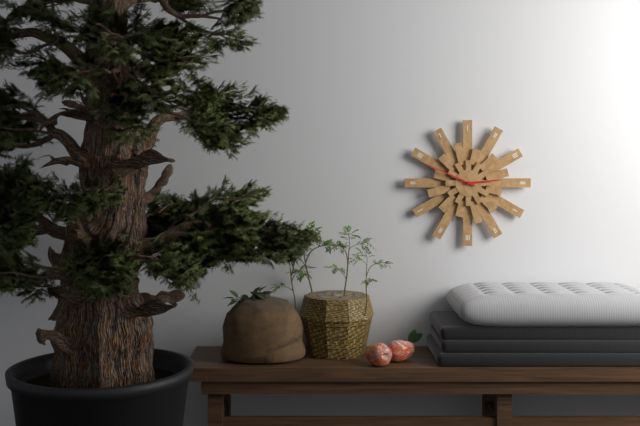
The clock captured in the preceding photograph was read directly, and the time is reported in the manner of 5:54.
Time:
2:49
